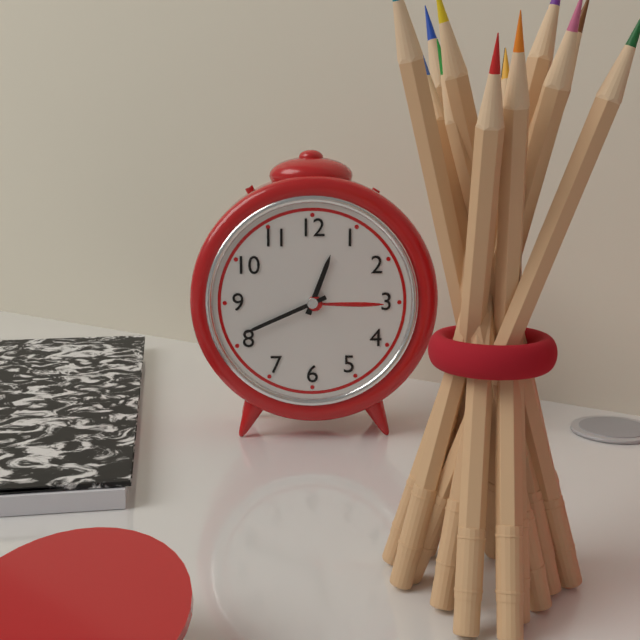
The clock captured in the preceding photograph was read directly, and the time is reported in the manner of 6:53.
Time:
12:41
